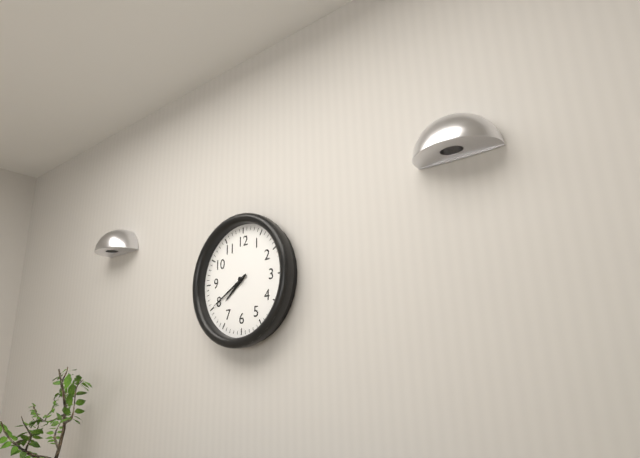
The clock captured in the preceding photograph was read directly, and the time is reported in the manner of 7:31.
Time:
7:40
